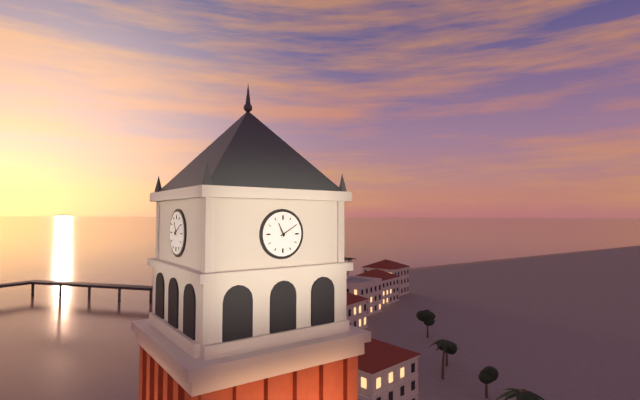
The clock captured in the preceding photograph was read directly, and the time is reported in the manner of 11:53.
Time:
11:10
